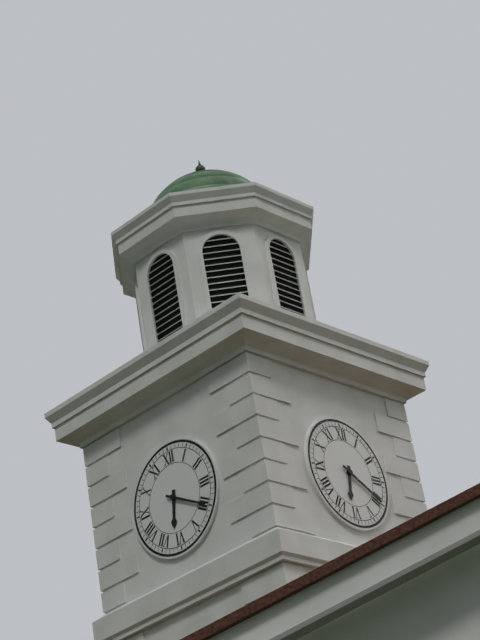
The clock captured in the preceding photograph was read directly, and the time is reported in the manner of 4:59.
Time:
6:20
